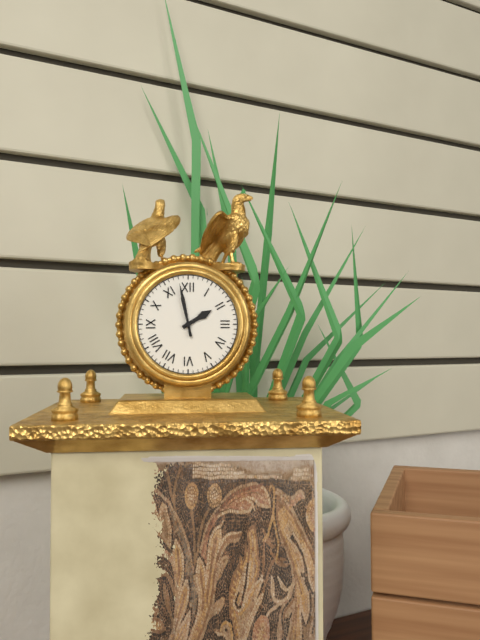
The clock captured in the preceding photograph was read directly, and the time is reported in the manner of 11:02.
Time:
1:58
